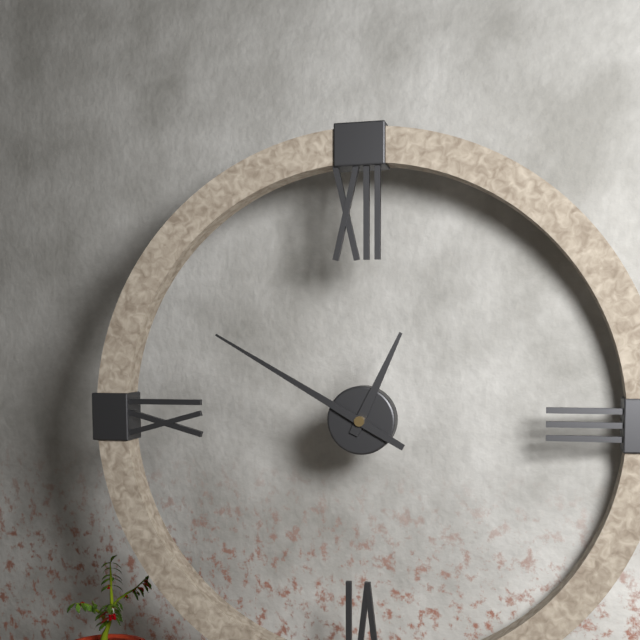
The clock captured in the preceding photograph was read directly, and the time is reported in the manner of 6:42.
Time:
12:50
